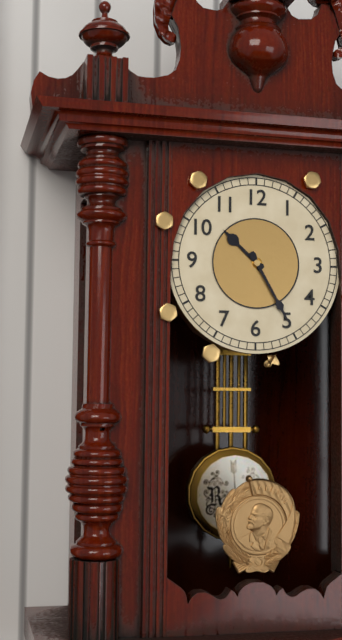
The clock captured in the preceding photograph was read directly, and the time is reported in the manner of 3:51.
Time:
10:25
